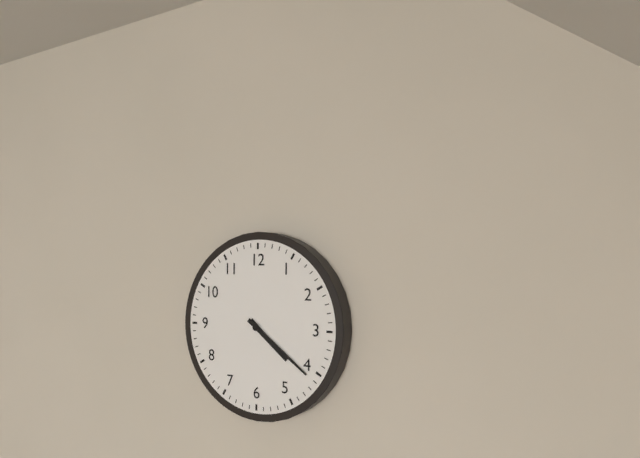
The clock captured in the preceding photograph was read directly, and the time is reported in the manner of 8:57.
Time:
4:21
